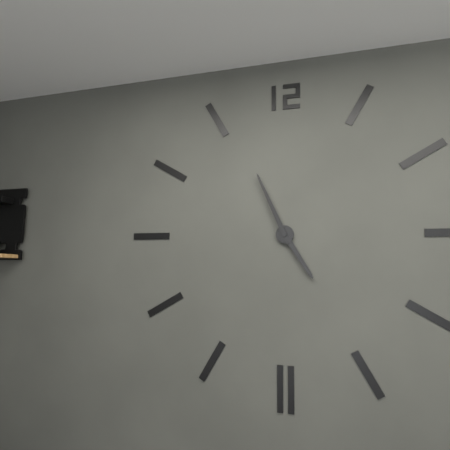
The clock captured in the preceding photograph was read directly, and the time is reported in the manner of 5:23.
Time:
4:56
